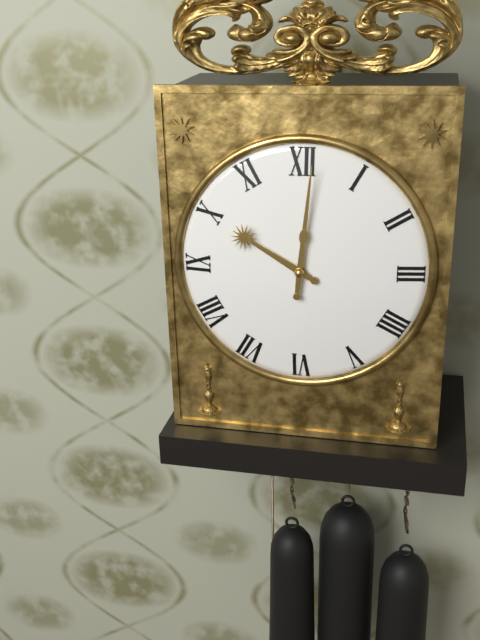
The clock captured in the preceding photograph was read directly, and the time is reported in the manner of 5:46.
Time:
10:01
